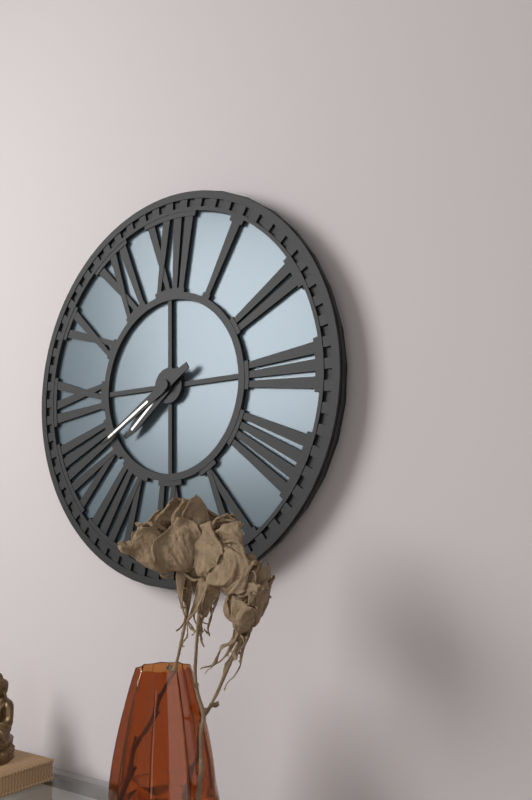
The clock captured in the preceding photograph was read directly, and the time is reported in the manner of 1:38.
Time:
7:40
